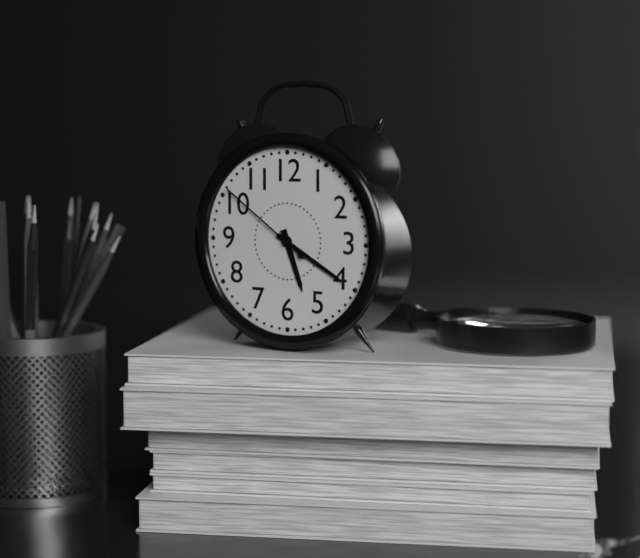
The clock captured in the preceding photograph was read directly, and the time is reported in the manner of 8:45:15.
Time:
5:20:51
